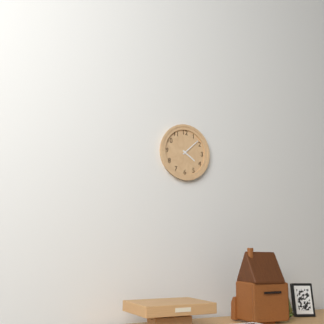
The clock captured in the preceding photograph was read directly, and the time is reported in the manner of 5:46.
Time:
4:08
